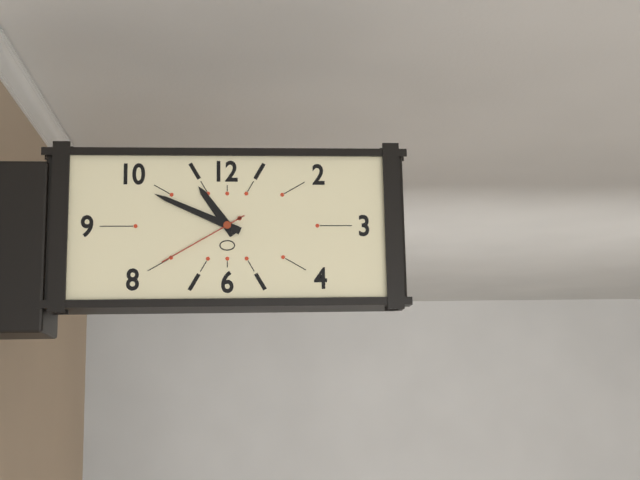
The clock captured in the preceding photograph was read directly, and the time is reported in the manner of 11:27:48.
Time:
10:49:40
